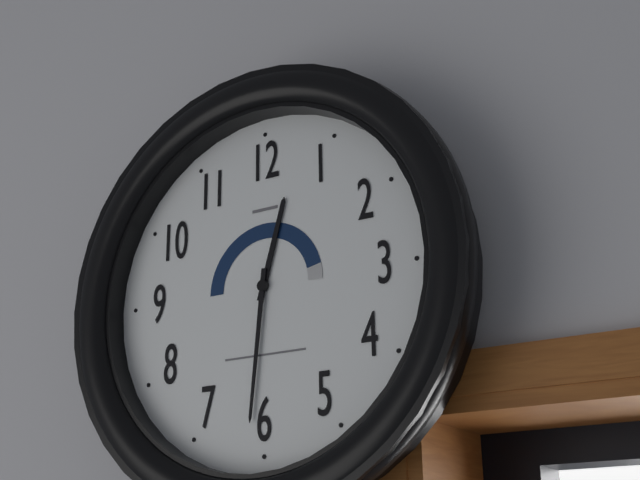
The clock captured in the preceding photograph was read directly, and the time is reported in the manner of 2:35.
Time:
12:31
